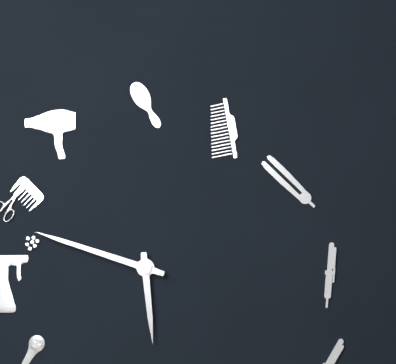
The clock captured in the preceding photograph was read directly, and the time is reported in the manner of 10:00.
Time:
5:48
